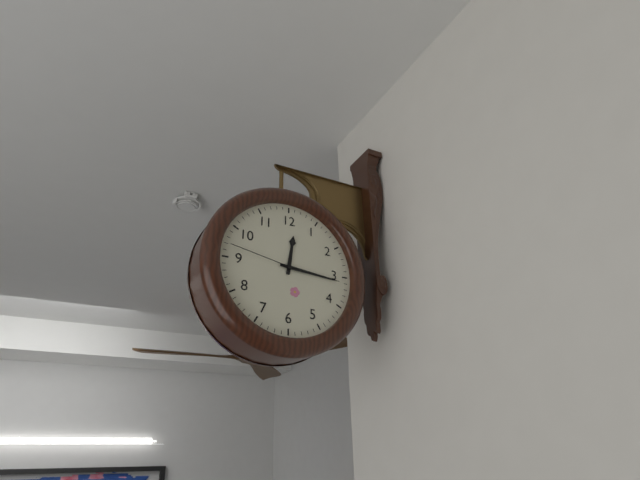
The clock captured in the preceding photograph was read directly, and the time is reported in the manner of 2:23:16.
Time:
12:16:47
